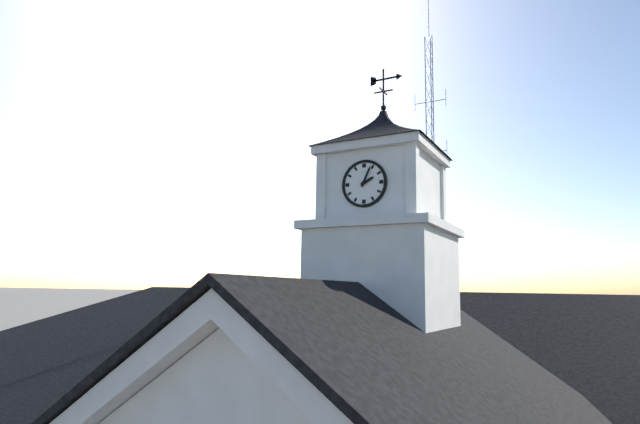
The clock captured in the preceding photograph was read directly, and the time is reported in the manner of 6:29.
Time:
2:04
